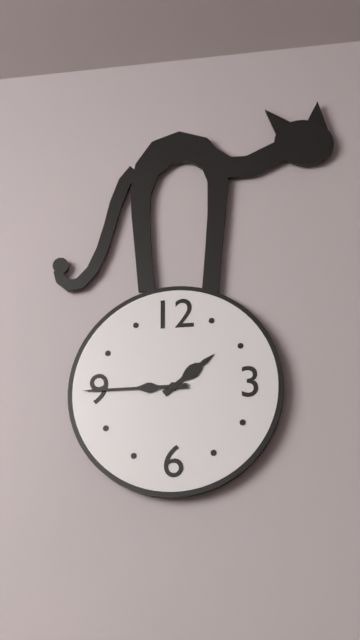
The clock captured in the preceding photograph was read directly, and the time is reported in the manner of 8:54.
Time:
1:45
